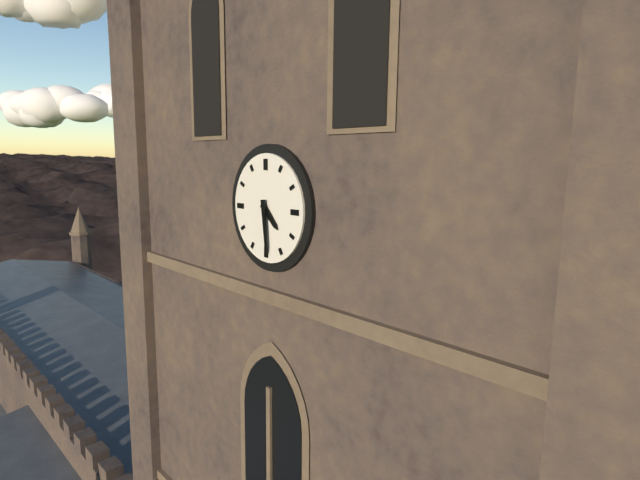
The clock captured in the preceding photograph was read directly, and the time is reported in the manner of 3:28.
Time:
4:29
